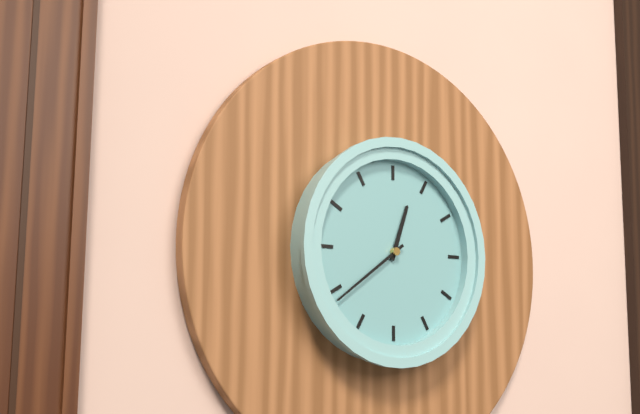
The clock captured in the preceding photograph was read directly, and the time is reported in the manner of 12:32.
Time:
12:39
